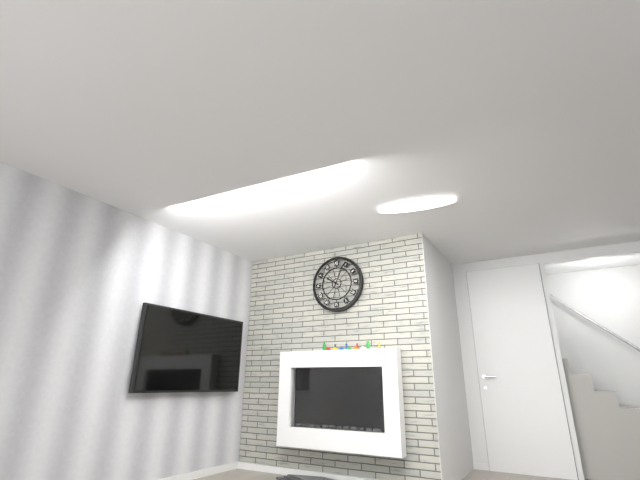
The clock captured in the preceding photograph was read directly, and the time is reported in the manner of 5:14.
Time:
10:04
